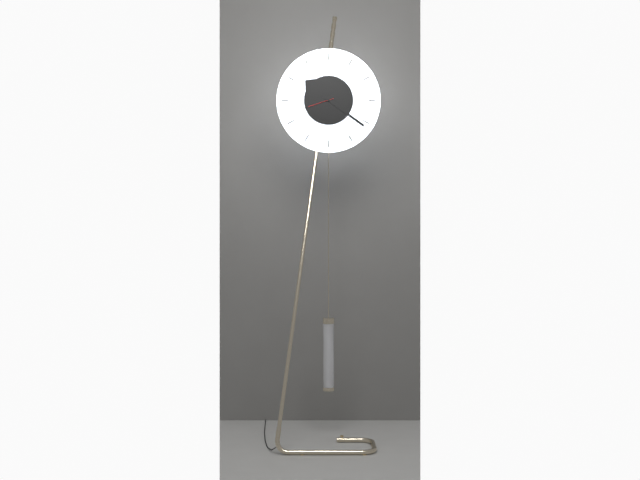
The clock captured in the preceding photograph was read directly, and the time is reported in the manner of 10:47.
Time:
10:21
